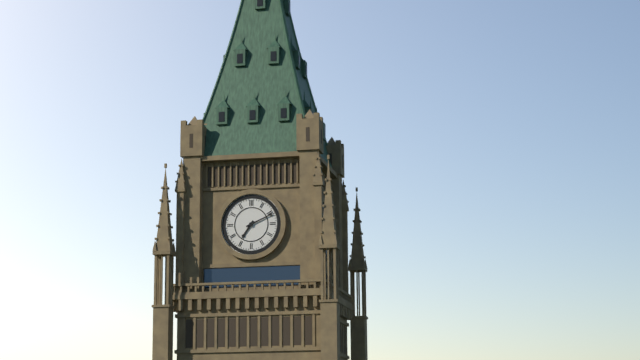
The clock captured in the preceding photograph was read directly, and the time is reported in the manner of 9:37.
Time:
7:11
